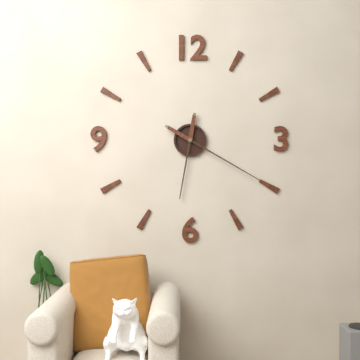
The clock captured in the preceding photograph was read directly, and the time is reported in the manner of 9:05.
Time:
6:20
